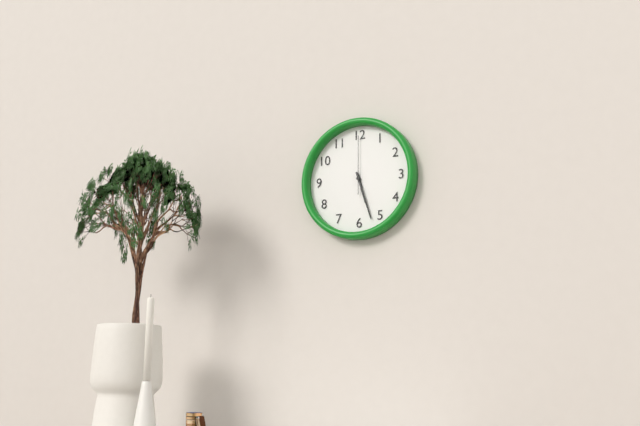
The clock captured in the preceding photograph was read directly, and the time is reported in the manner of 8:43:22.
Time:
5:27:00
